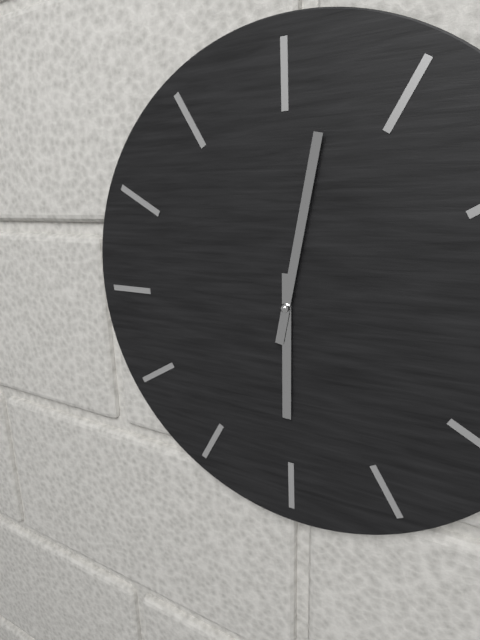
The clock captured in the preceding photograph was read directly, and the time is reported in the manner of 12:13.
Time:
6:02
